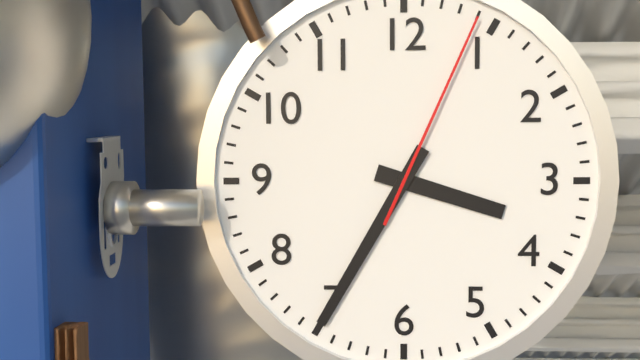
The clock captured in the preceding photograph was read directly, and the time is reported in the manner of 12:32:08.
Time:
3:35:04
